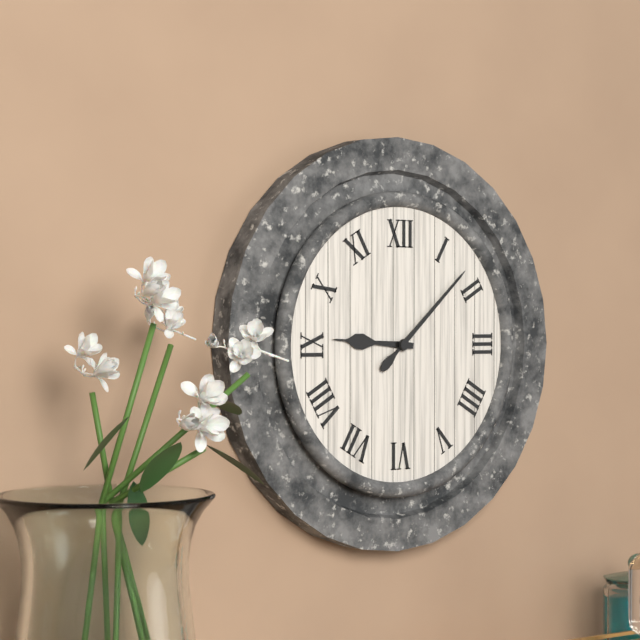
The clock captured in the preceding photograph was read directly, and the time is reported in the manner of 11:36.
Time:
9:08
